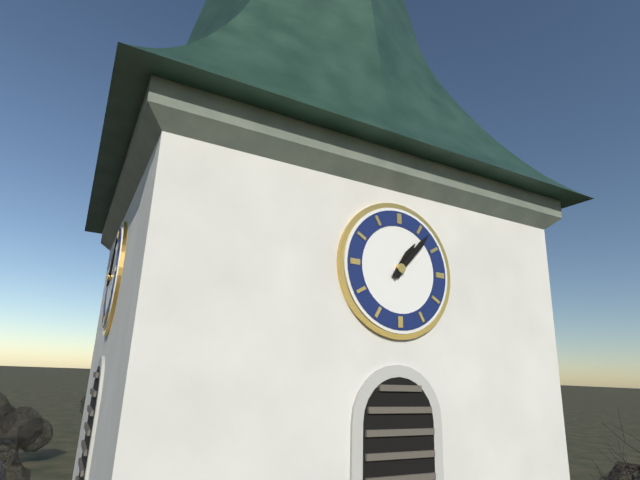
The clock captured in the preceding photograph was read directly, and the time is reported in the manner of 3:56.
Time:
1:07
